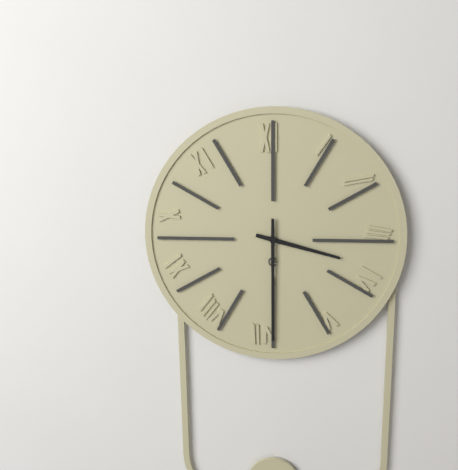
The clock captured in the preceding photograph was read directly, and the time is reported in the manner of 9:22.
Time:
3:30
